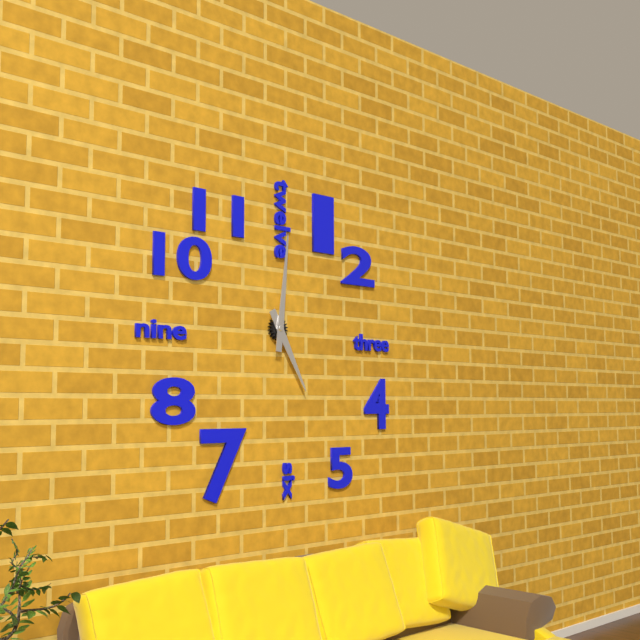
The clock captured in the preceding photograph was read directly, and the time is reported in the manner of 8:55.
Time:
5:01
